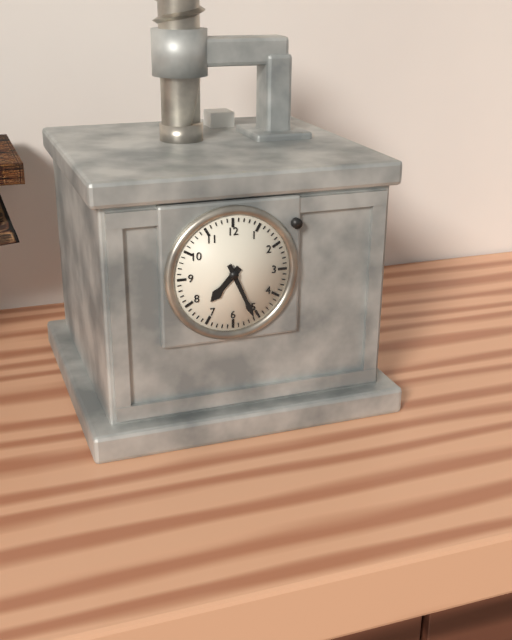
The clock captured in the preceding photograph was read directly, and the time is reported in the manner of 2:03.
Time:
7:26
